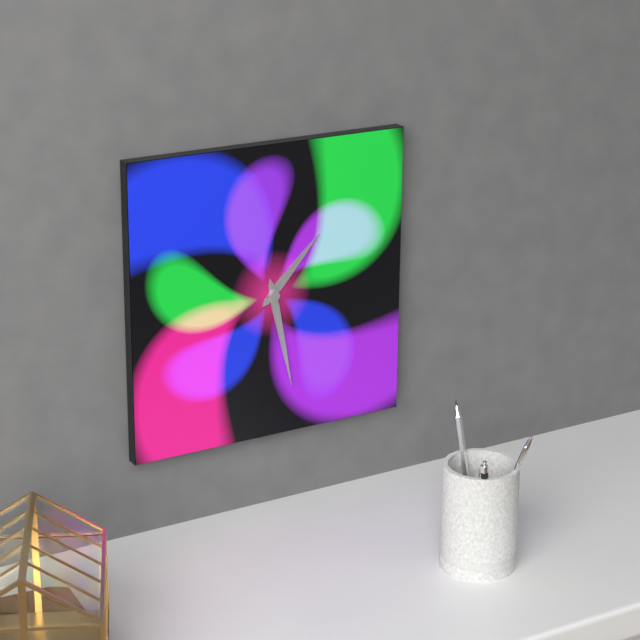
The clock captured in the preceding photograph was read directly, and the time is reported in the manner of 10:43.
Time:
1:28
